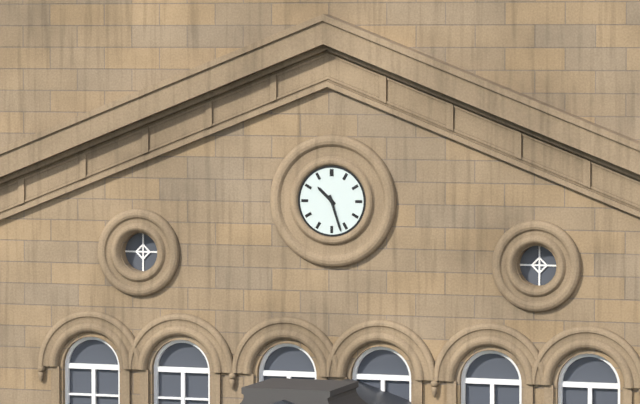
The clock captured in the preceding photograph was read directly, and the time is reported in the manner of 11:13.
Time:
10:27
